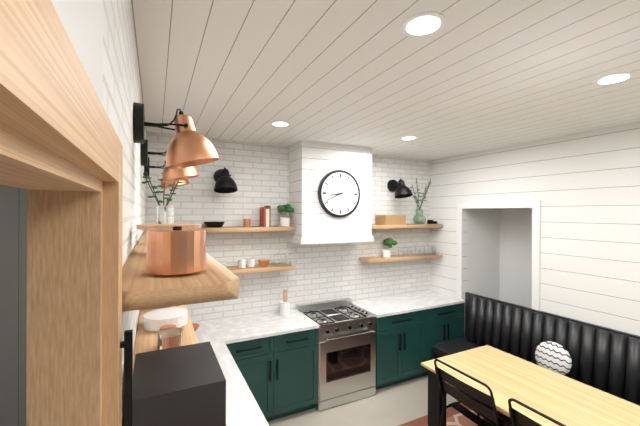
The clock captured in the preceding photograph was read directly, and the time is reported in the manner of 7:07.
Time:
8:41
